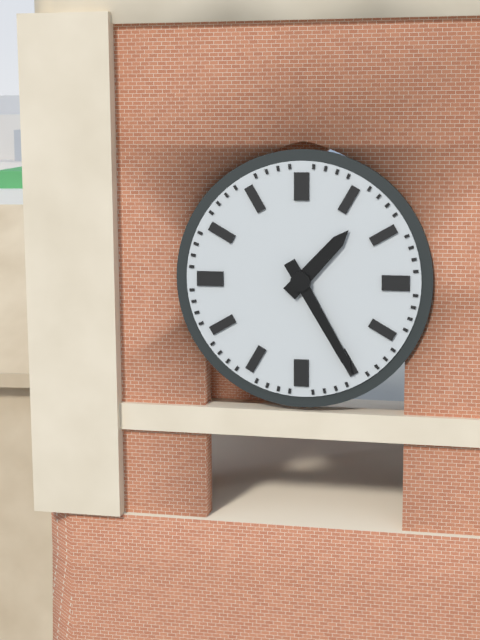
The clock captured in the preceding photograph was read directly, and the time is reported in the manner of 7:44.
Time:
1:25
